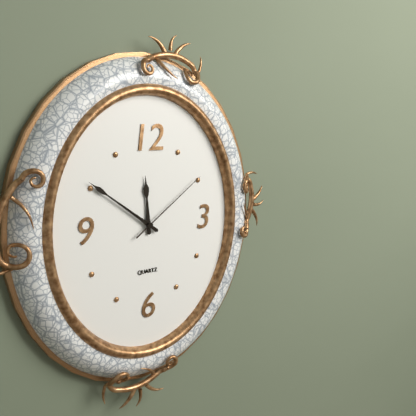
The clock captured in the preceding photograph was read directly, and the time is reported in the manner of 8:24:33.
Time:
11:51:09
